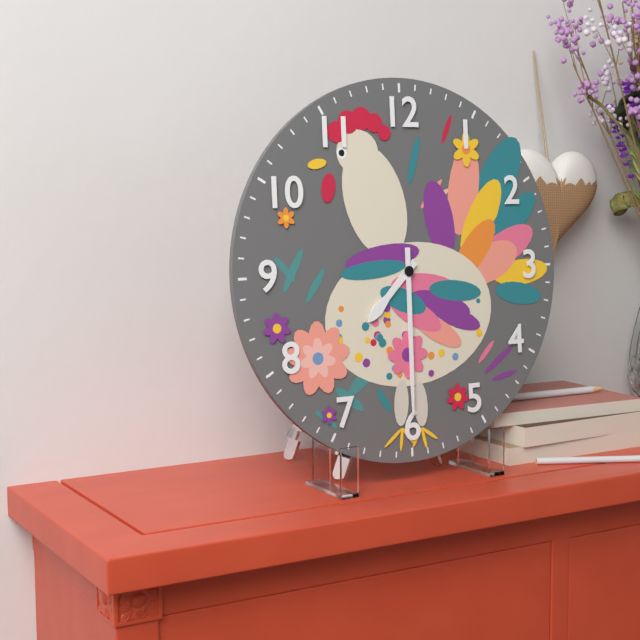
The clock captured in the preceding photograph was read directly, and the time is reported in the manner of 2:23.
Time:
7:30
